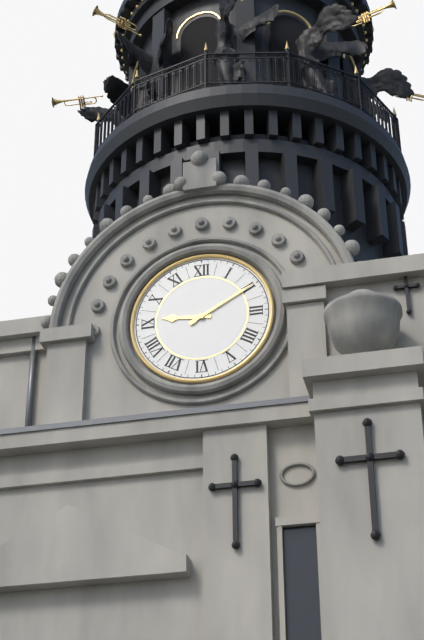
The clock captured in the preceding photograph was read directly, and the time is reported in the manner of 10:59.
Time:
9:10
